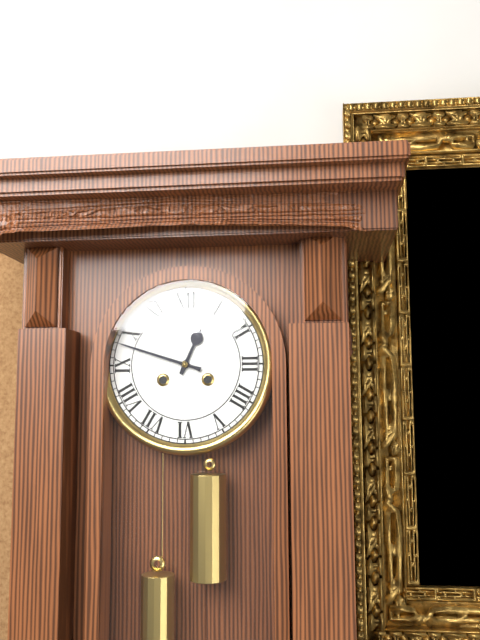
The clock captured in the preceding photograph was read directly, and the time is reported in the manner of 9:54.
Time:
12:48
